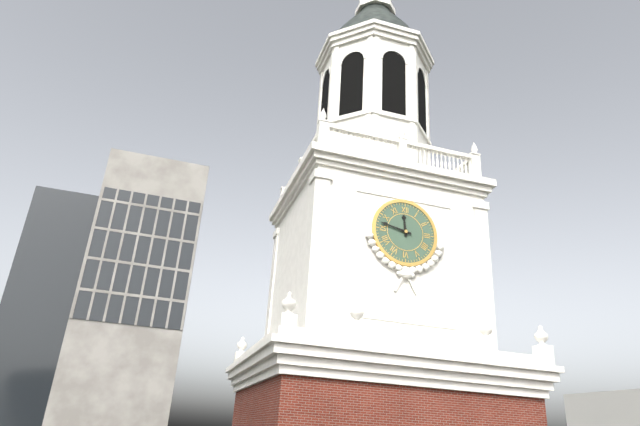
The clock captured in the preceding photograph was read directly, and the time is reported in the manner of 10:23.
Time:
11:47
